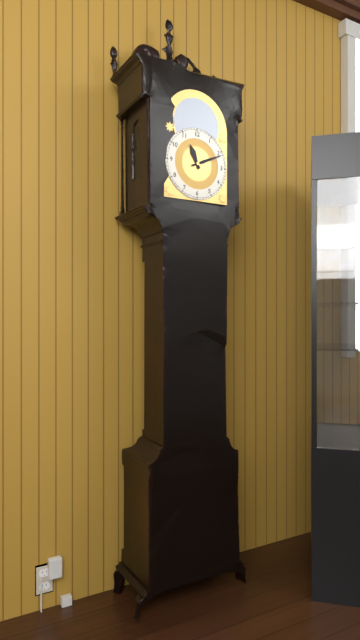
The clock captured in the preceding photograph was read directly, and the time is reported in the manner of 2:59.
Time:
11:11
